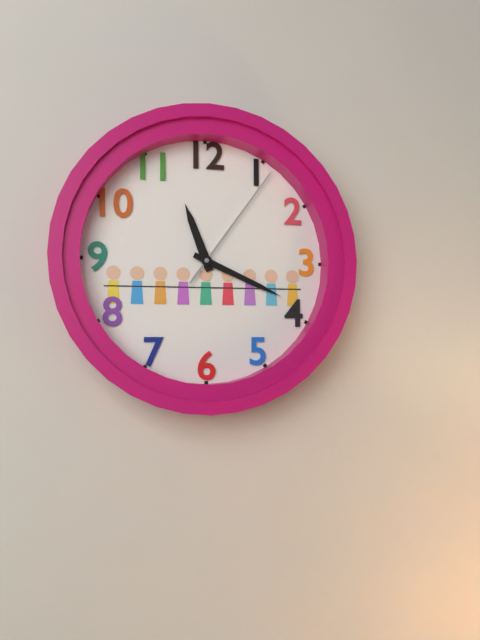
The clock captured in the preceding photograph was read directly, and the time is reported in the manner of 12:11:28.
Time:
11:19:06
